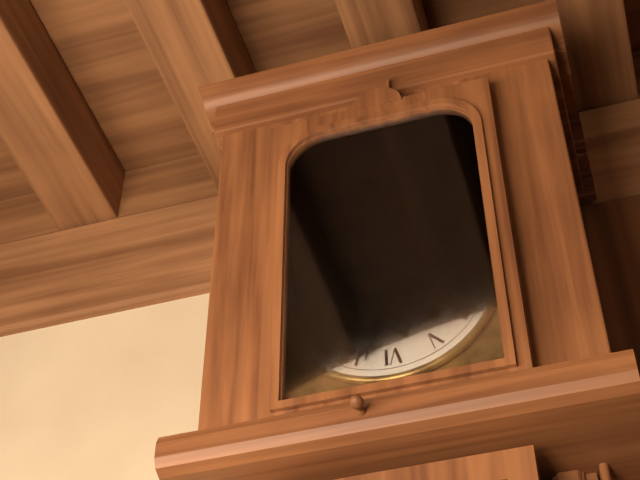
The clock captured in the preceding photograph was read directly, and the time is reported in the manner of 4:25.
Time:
5:33
